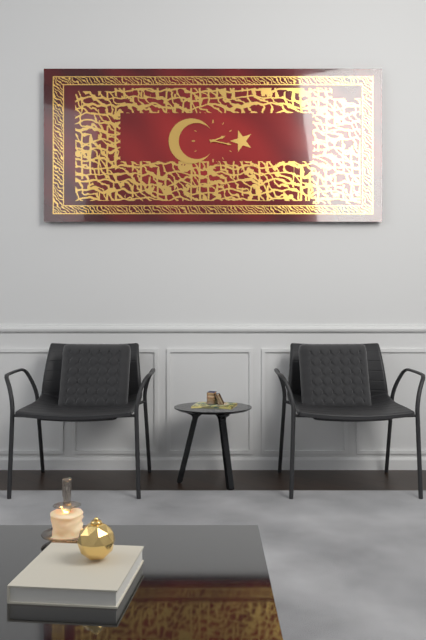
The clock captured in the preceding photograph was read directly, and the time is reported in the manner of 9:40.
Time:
2:17
